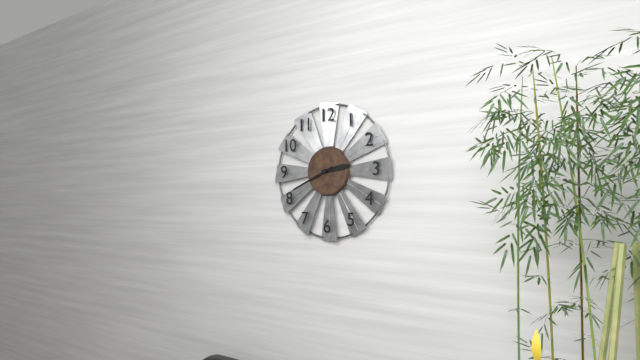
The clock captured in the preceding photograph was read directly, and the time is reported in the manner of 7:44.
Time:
2:41
